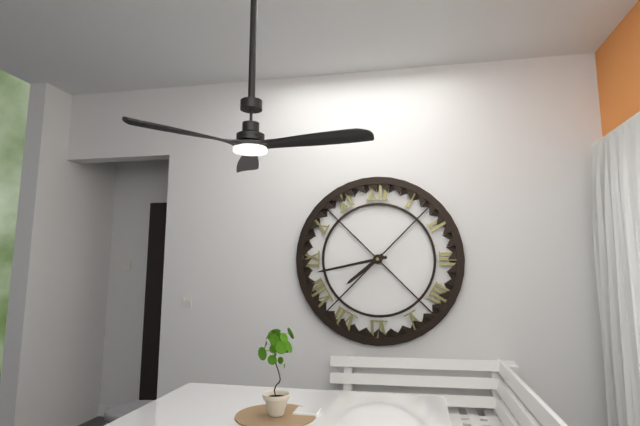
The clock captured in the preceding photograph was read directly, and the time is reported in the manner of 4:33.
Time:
7:43
